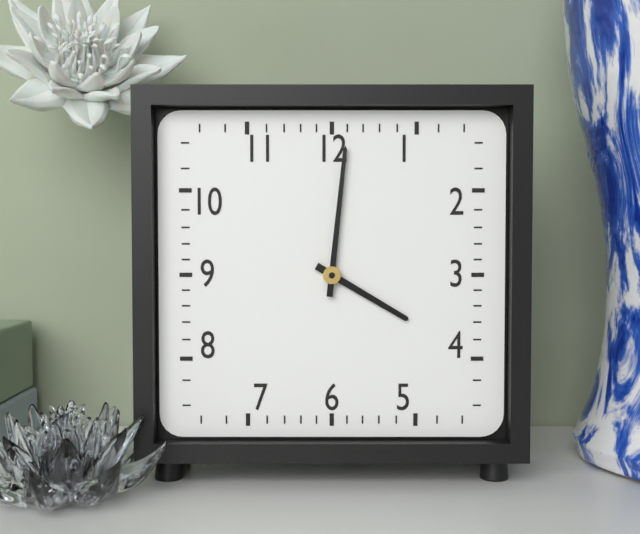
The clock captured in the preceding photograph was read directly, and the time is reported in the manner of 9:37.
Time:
4:01
